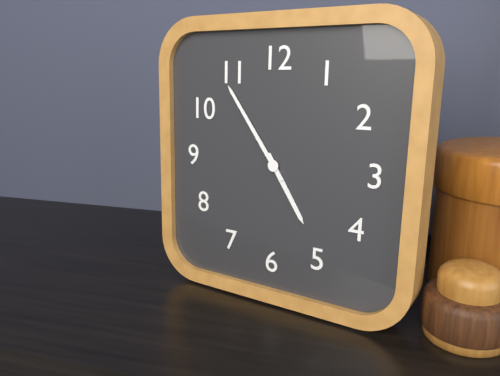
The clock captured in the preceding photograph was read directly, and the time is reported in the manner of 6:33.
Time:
4:54
